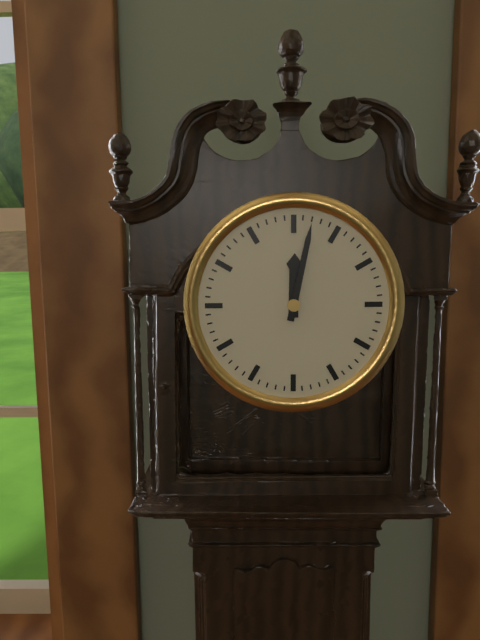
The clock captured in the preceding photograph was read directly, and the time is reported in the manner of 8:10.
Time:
12:02
